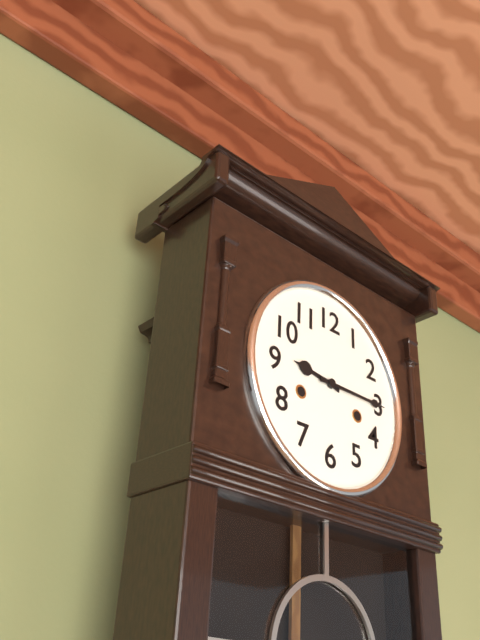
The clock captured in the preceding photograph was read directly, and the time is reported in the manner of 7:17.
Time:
9:15
